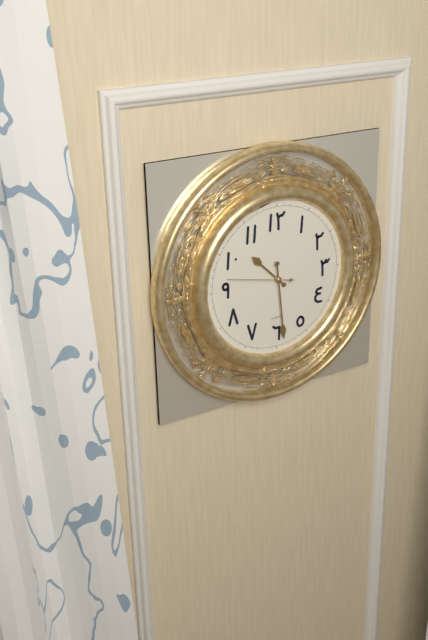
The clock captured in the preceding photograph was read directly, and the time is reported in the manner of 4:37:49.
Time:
10:29:47
